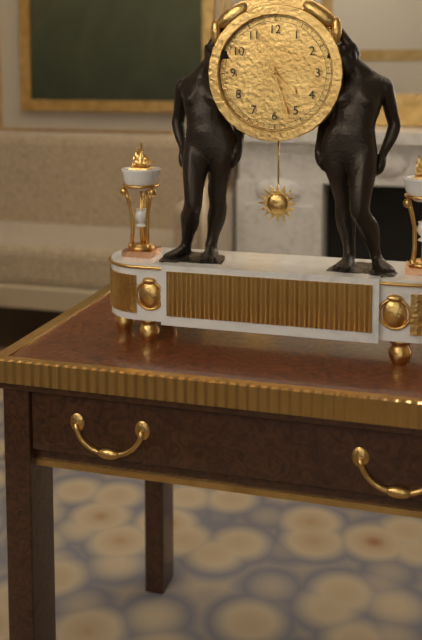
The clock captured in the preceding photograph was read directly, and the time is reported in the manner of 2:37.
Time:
4:27
